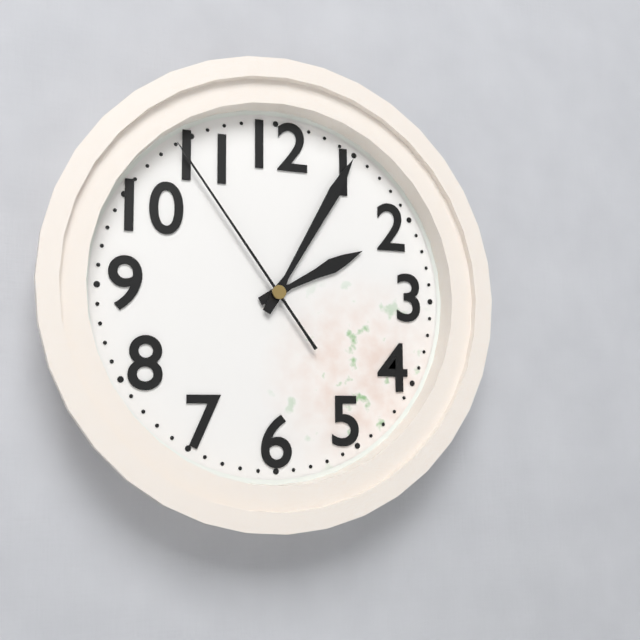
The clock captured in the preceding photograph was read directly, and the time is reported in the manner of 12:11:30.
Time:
2:05:54
